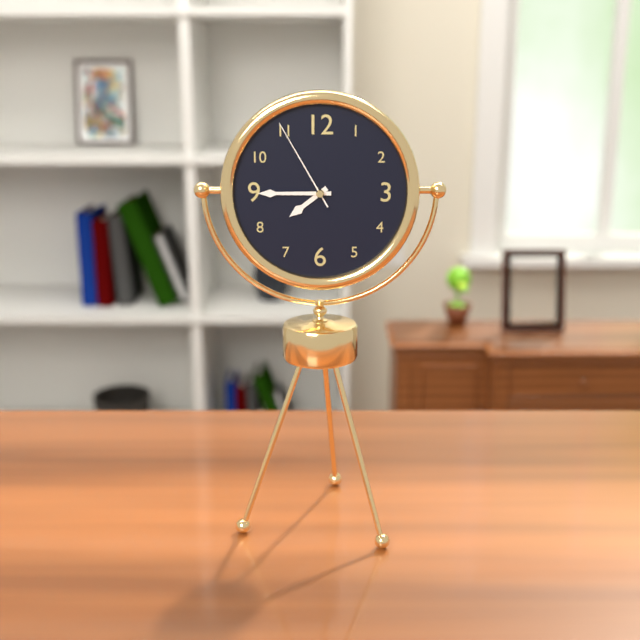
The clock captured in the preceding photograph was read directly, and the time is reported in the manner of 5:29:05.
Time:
7:45:55
